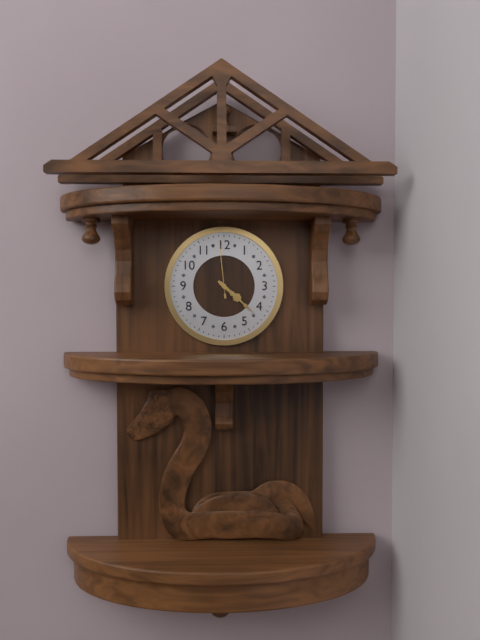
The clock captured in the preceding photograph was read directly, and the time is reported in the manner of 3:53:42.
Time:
4:22:59
